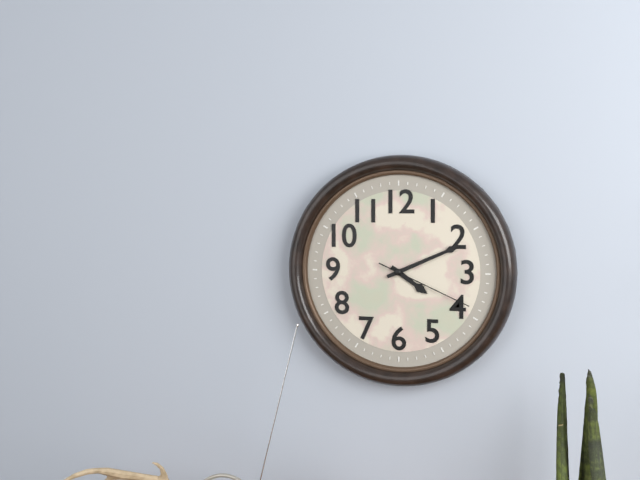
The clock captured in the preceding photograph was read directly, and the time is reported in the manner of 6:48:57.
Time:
4:11:19
